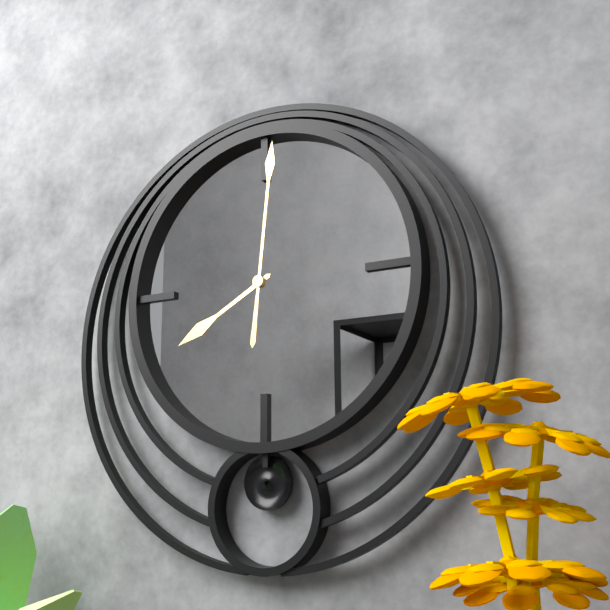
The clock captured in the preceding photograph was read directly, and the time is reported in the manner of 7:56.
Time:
8:01
